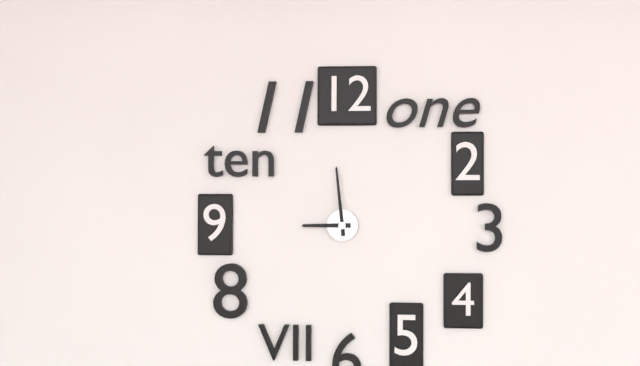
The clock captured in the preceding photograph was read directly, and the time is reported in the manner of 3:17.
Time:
8:59
